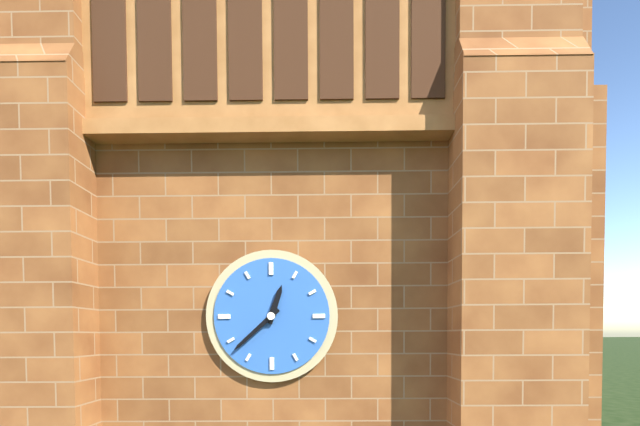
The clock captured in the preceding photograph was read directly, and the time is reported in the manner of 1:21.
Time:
12:38
